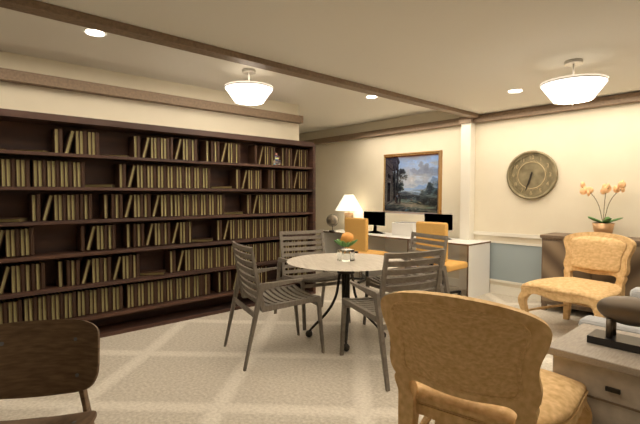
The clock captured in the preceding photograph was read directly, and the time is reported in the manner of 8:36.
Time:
6:33
